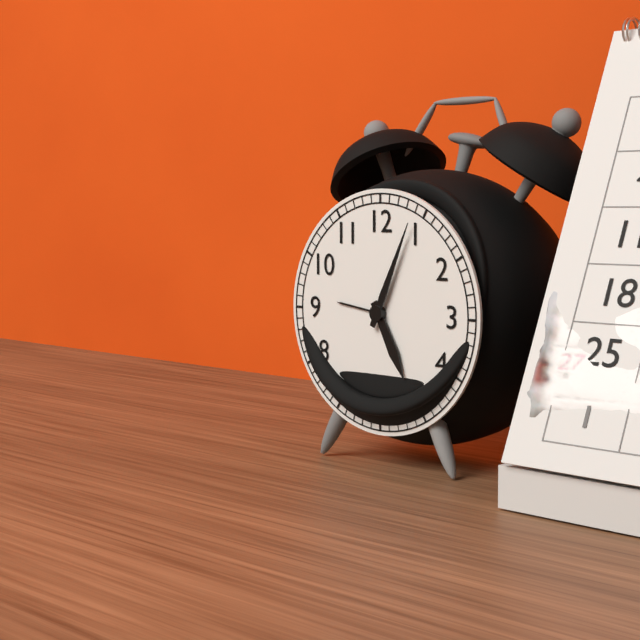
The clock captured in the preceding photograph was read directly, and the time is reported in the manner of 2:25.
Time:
5:04
